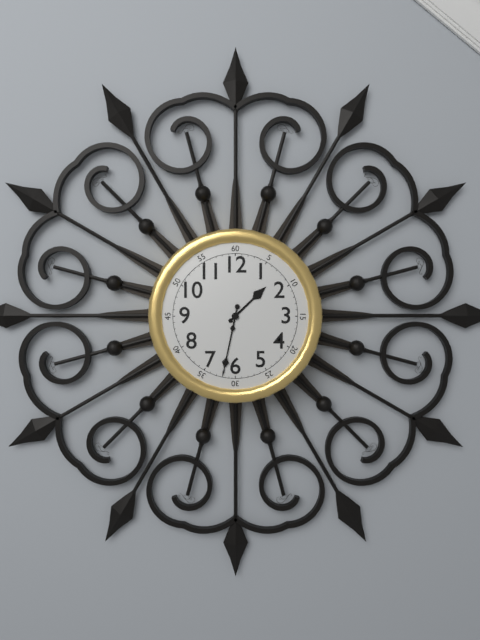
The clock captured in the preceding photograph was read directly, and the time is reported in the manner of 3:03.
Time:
1:32
